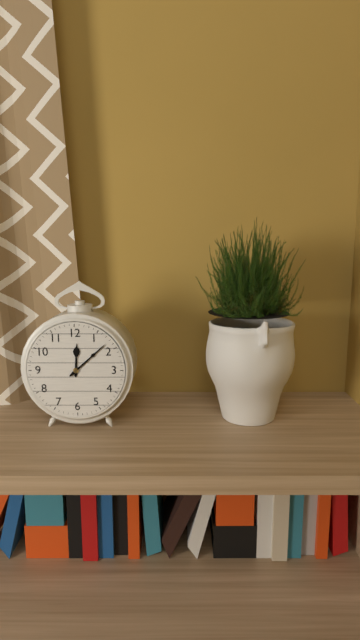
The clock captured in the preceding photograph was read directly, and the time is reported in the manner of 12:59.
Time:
12:08
